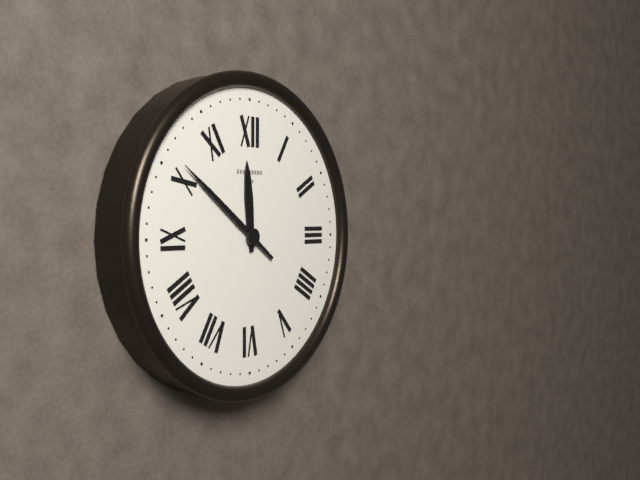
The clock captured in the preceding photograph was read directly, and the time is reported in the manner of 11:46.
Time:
11:51
